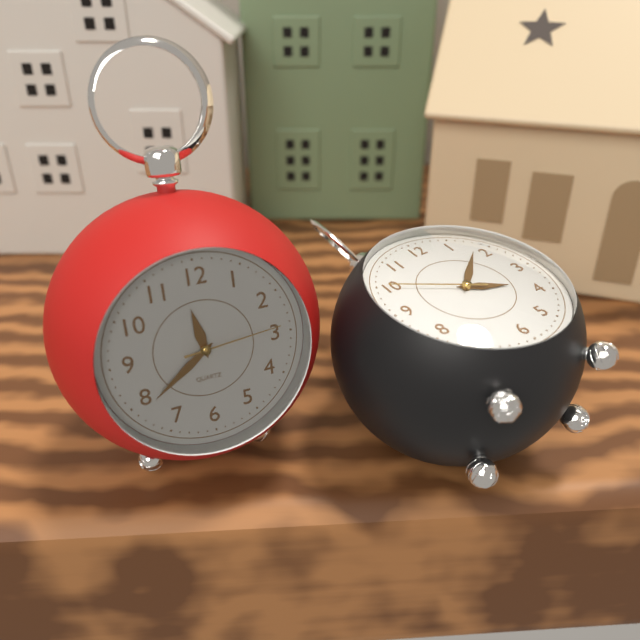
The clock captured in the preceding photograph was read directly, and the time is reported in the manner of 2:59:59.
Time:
11:39:14
